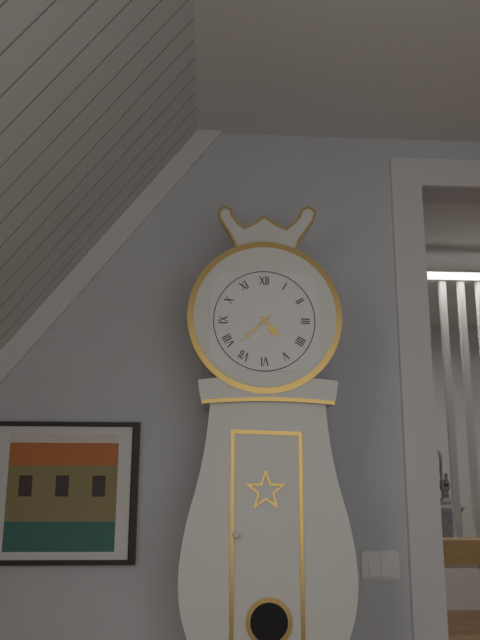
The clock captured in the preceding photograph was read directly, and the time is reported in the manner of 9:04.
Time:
4:38
